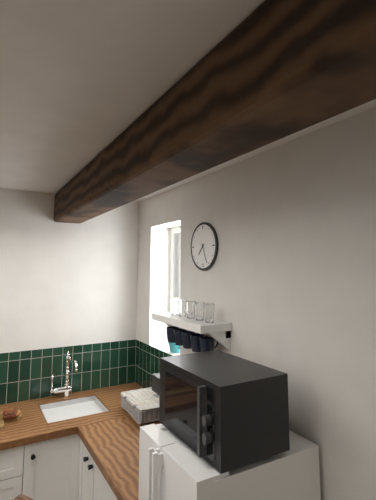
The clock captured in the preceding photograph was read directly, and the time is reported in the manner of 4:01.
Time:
7:26
